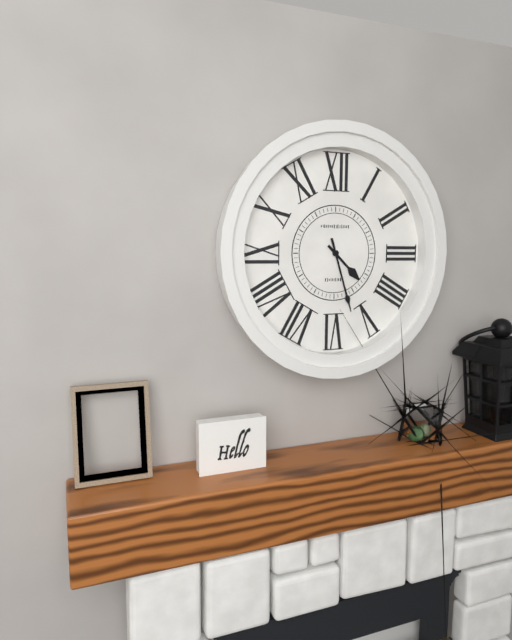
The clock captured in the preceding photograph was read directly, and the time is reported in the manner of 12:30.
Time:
4:27
